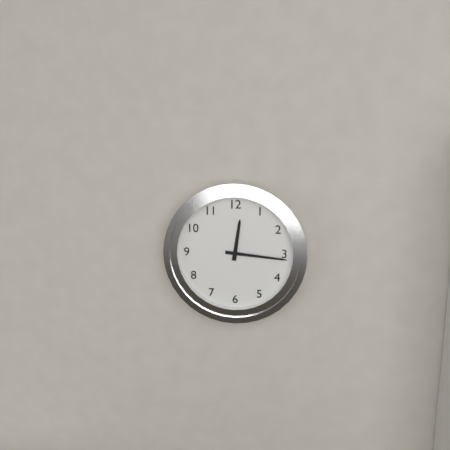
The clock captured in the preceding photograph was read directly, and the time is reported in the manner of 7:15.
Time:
12:16
